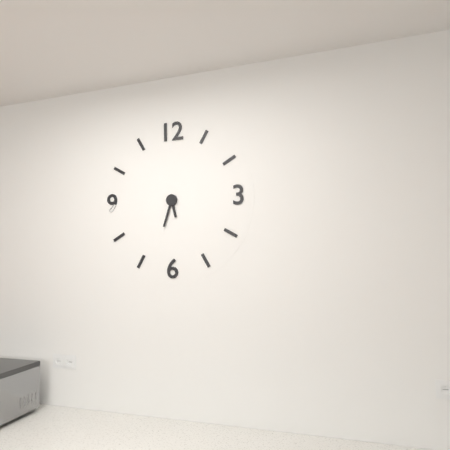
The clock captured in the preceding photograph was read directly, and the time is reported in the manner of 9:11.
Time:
5:33
